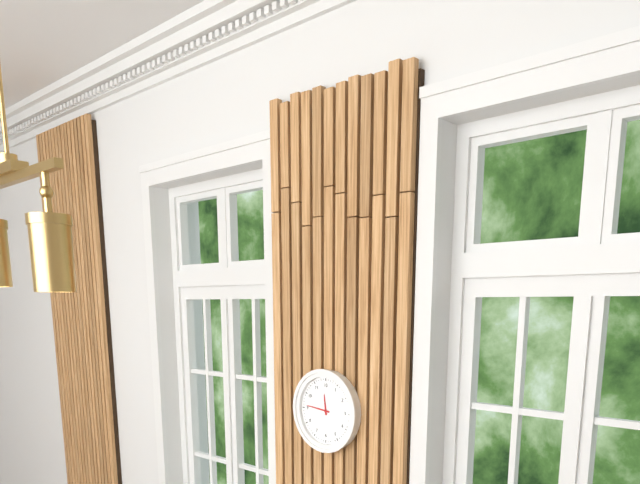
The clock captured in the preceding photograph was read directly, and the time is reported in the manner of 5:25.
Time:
11:46
